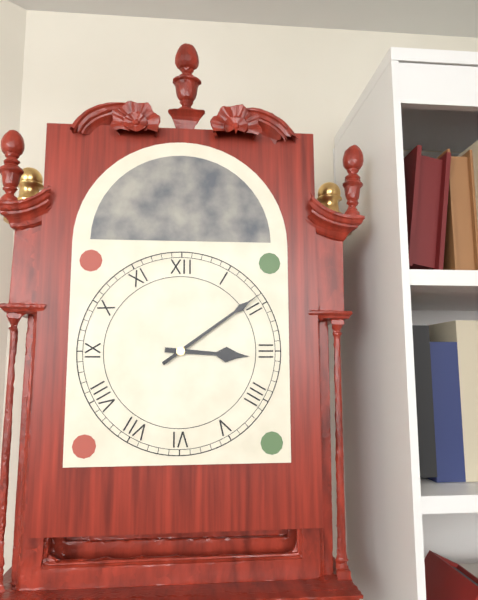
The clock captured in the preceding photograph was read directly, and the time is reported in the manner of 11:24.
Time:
3:09
